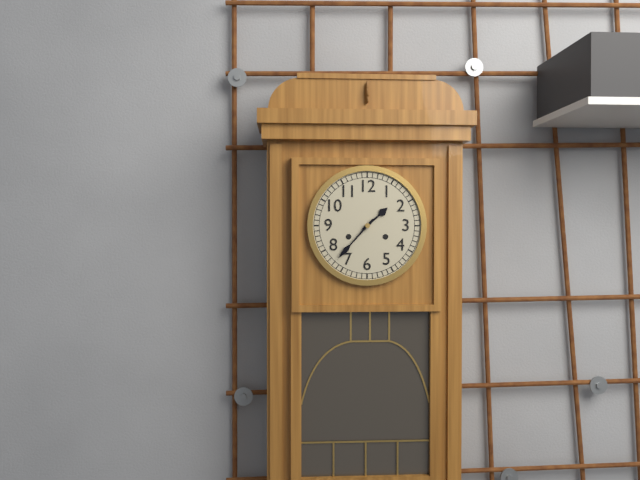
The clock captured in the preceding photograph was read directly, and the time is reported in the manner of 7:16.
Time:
1:37
